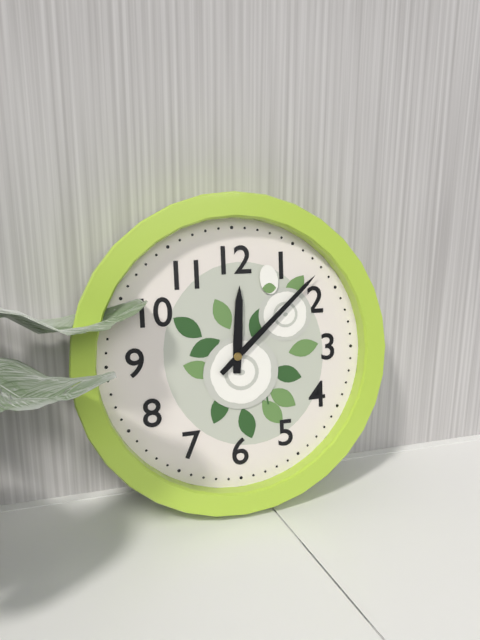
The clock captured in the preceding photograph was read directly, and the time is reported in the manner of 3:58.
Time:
12:08
